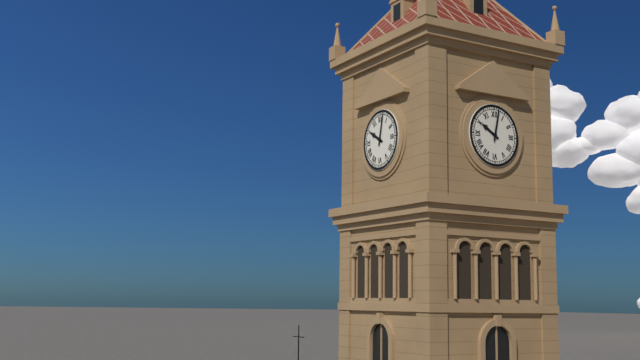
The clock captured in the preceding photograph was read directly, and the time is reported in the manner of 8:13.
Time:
10:02
